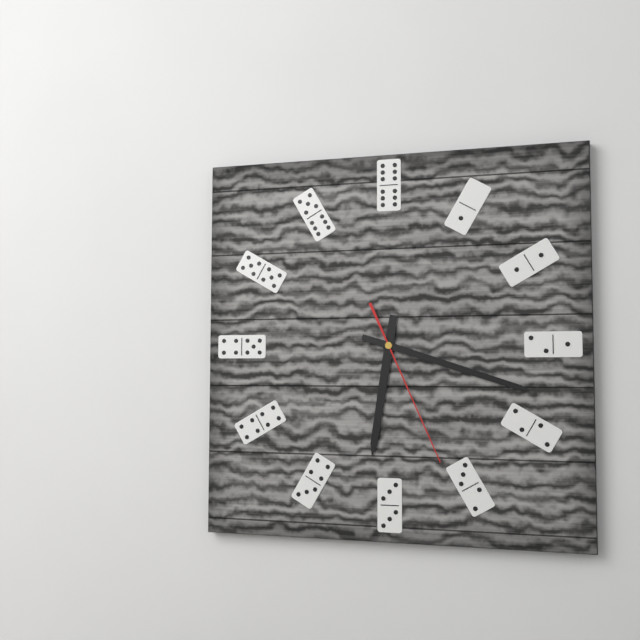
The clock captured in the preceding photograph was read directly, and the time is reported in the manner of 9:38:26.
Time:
6:18:26
